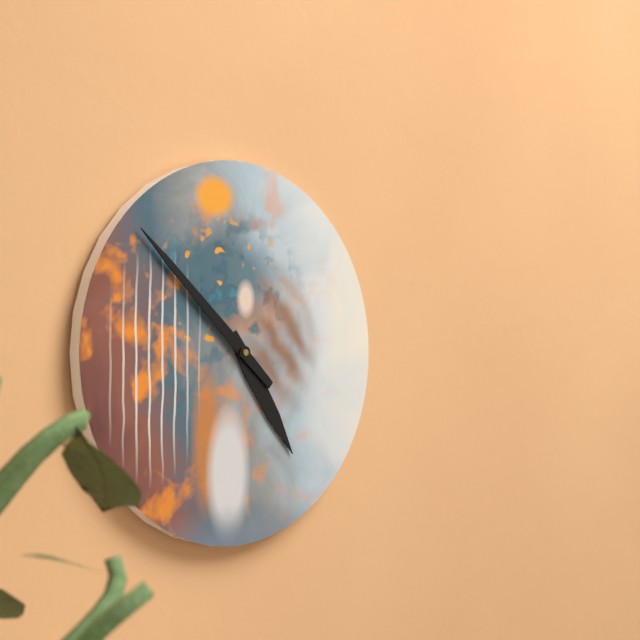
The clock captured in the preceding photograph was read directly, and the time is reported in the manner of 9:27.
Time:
4:52
